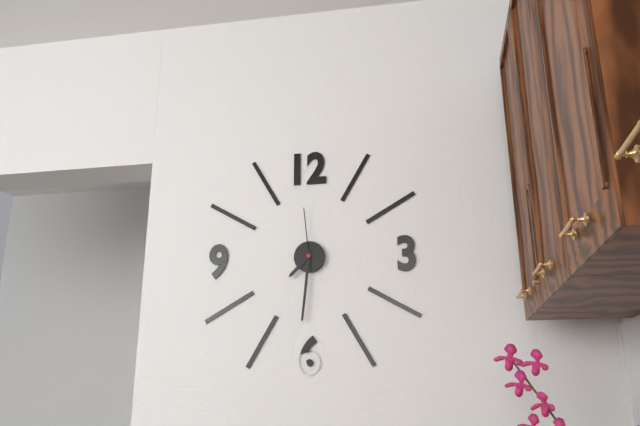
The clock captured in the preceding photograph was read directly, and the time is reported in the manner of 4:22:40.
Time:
7:31:59
